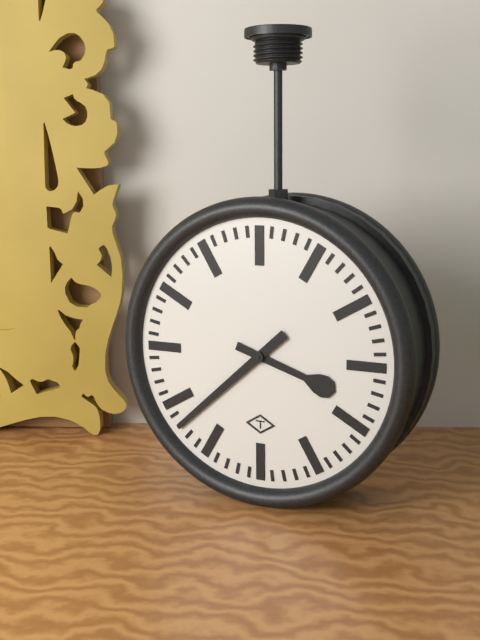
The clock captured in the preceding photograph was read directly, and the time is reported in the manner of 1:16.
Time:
3:38
